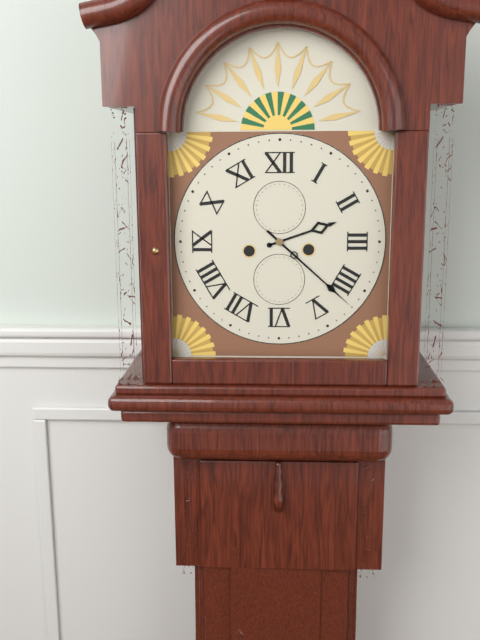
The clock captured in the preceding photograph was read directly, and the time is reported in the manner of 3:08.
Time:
2:22
